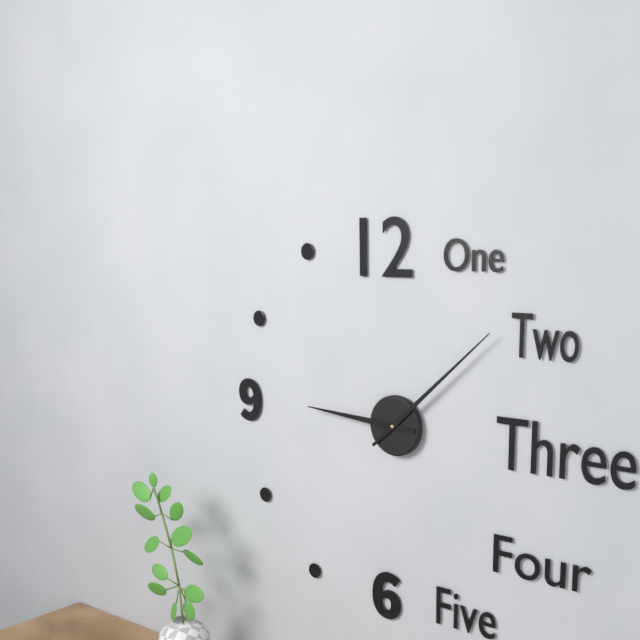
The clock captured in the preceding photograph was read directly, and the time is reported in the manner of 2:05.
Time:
9:08
